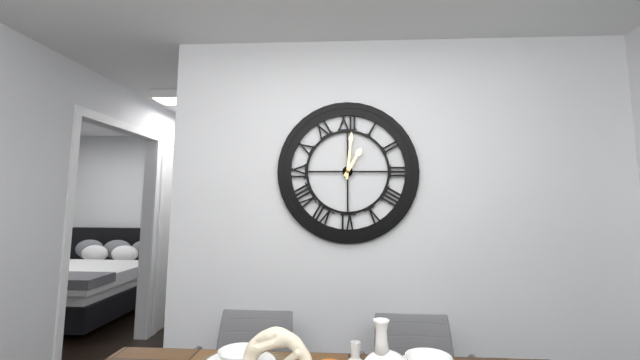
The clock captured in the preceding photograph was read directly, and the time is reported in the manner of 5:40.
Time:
1:01
